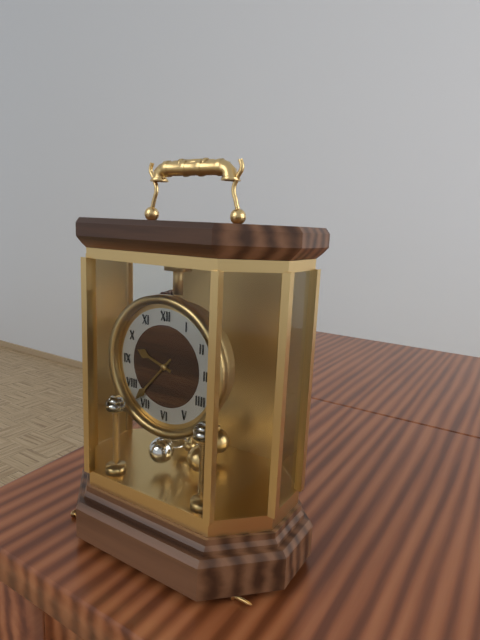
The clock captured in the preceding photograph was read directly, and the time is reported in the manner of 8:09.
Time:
9:37
